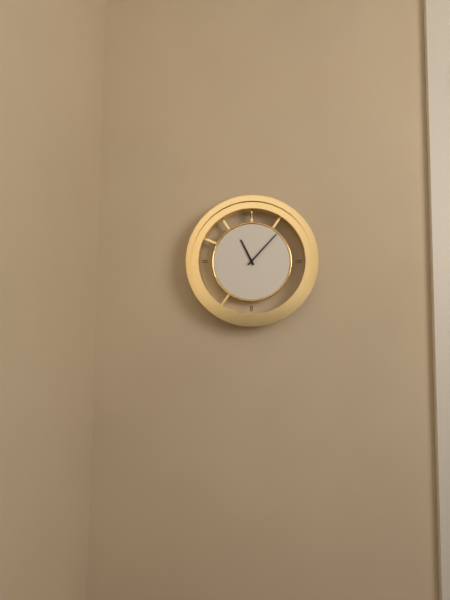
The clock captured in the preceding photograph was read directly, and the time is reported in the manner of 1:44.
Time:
11:07
